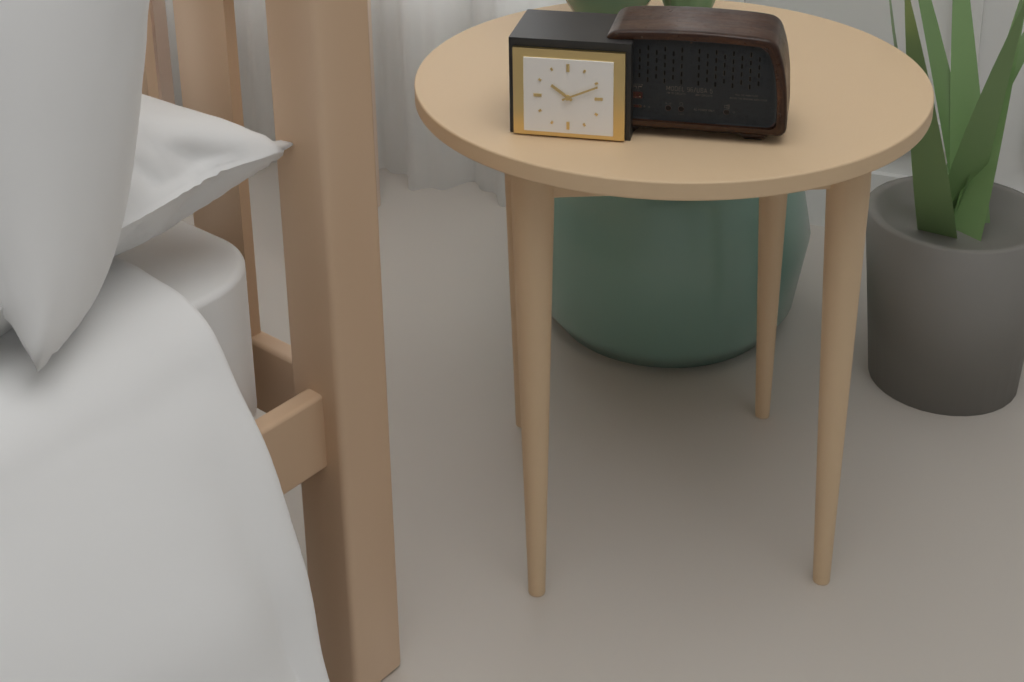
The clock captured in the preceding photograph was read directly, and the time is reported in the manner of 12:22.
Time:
10:11
